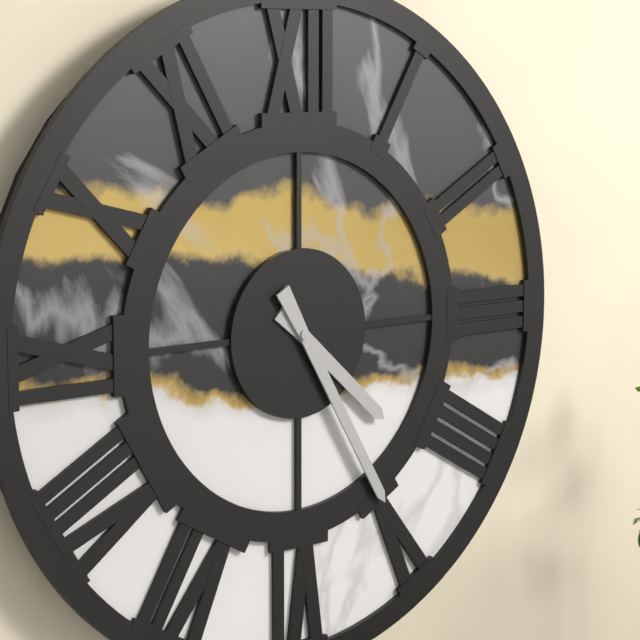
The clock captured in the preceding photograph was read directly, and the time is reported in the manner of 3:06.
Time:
4:25
